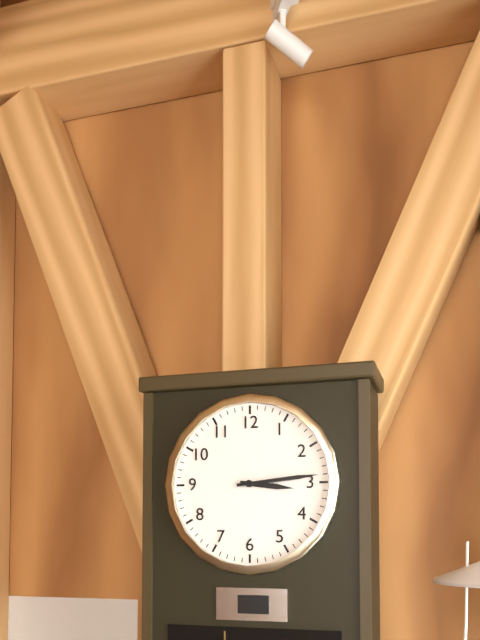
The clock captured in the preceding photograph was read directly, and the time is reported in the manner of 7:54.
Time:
3:14
